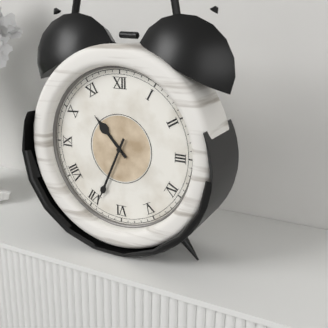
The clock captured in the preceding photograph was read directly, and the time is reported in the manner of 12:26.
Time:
10:34
